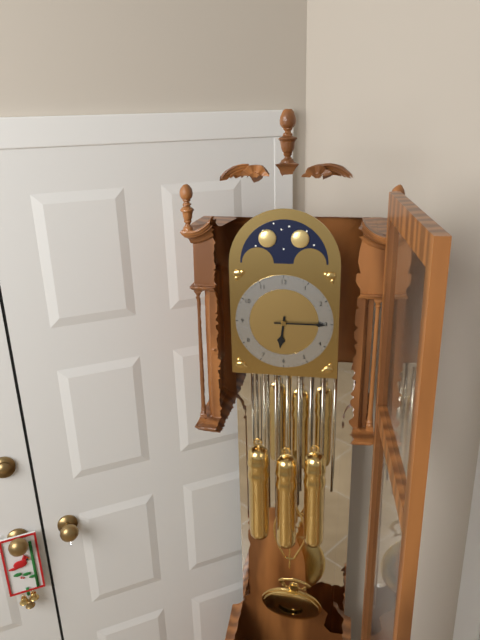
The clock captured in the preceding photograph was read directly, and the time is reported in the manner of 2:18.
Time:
6:15
